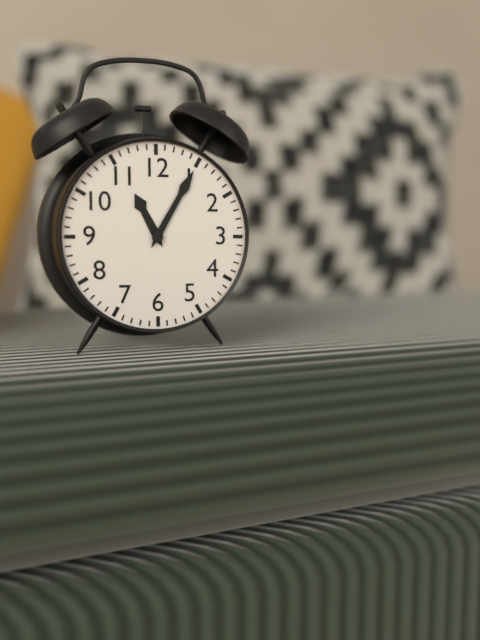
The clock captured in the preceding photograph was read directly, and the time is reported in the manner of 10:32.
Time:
11:05
